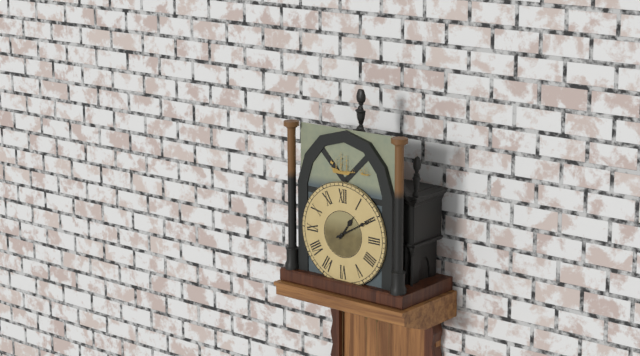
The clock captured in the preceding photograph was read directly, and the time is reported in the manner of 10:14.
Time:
1:10
